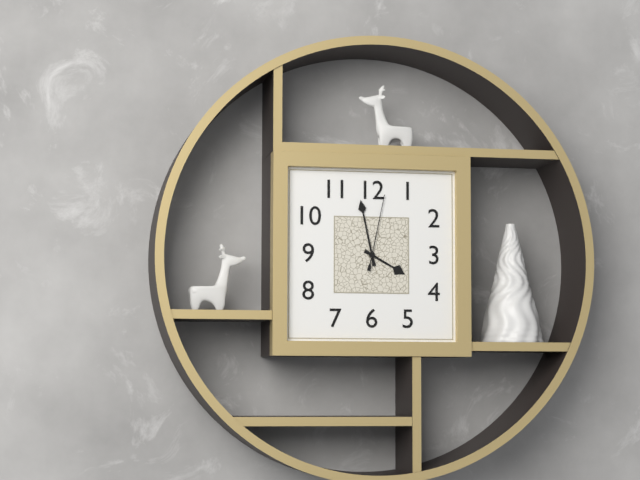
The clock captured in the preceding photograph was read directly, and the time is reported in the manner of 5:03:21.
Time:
3:58:02
